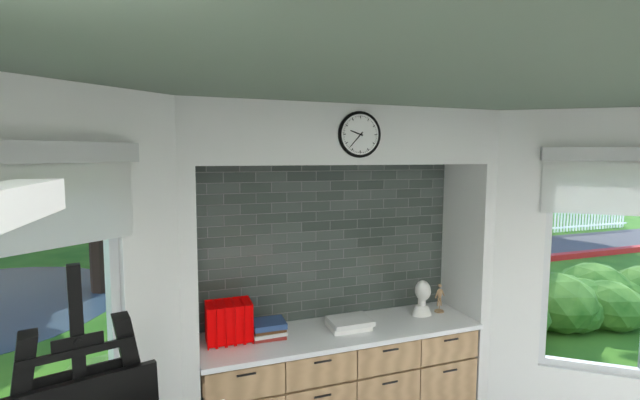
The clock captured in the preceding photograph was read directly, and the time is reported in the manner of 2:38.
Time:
9:37
